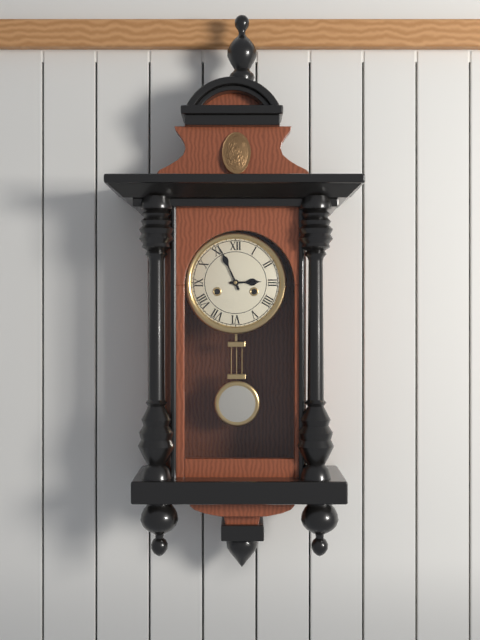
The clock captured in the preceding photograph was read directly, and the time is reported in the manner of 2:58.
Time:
2:56
